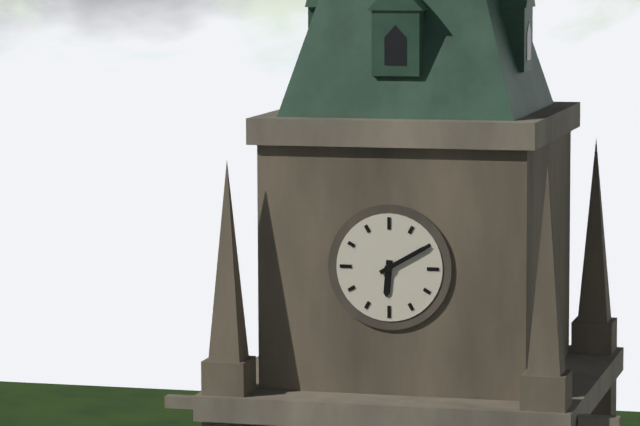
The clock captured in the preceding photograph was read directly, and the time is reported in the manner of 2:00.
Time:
6:10
